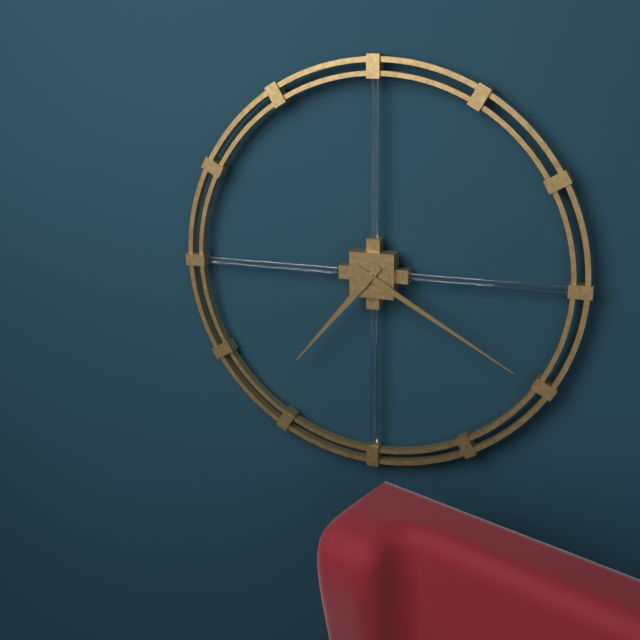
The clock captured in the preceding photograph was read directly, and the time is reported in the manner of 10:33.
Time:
7:20
